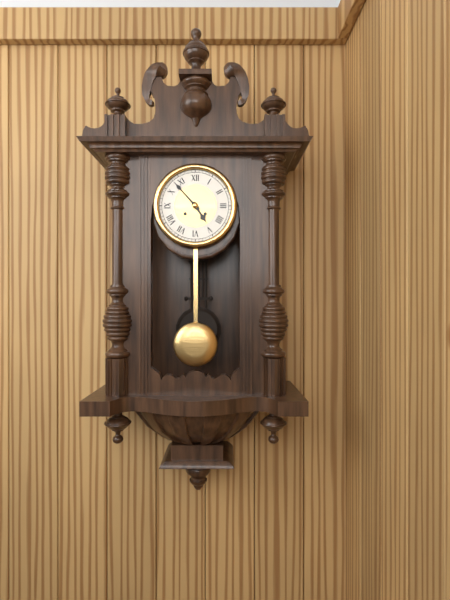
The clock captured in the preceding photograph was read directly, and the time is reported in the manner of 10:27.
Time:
4:53
